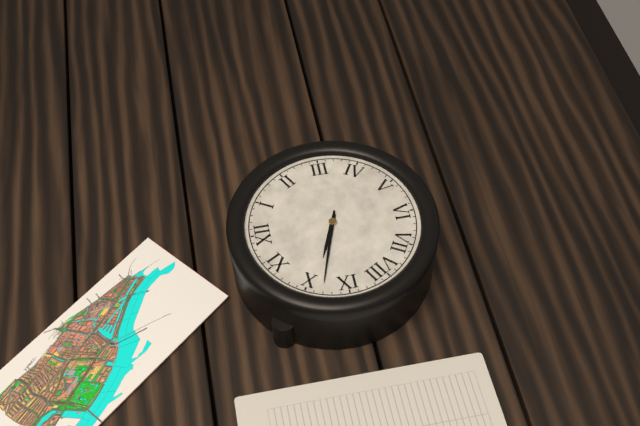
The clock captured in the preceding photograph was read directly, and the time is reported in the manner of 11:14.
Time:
9:48
